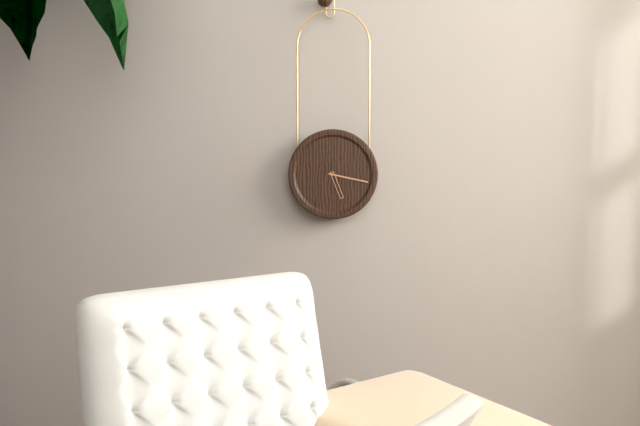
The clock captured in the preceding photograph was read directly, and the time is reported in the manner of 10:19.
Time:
5:17
